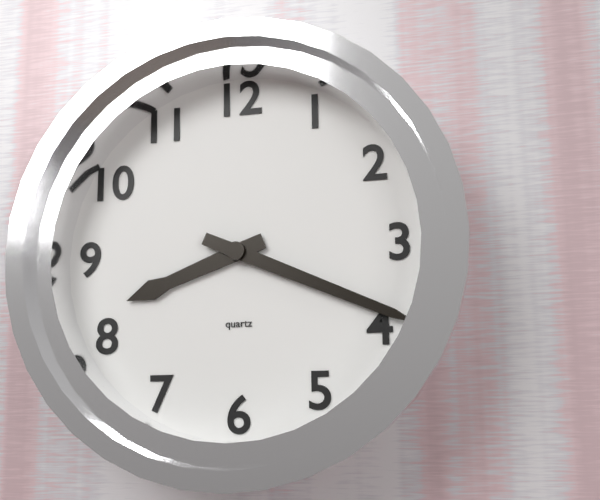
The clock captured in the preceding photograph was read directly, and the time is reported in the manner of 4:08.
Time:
8:19
